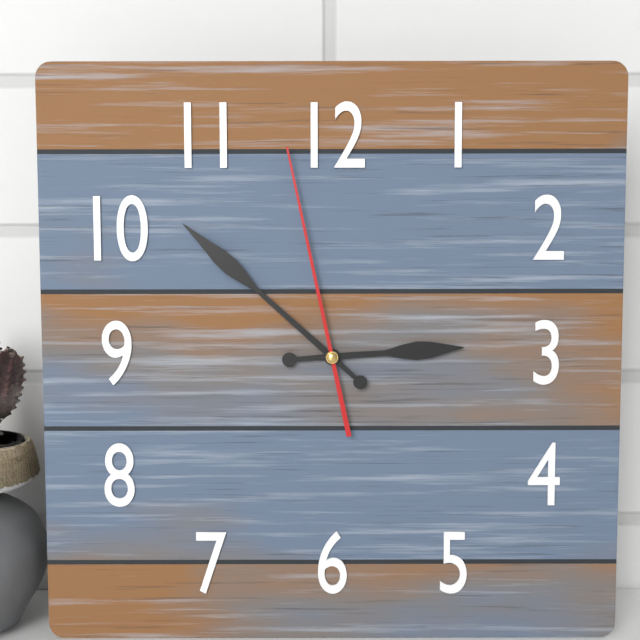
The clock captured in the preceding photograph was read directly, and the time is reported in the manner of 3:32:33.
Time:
2:52:58
